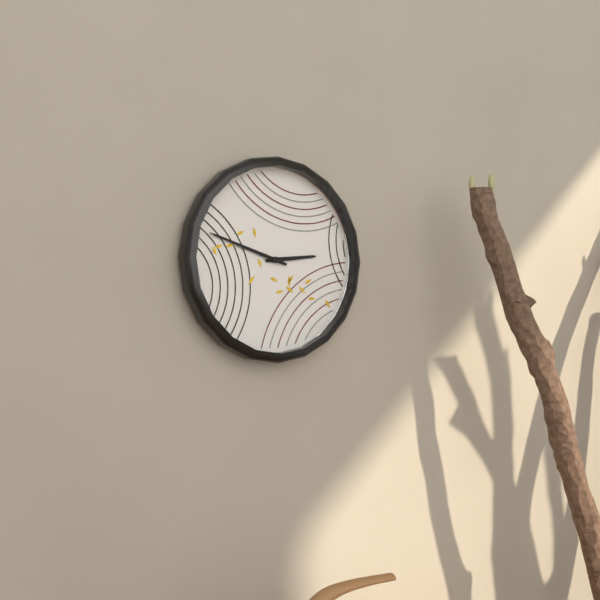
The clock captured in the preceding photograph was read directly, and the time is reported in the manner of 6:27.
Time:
2:48
